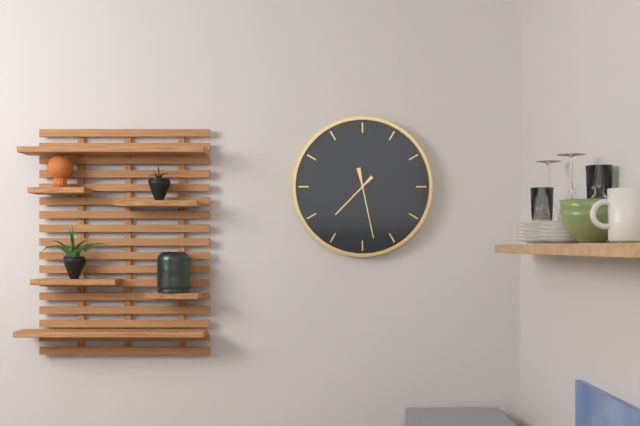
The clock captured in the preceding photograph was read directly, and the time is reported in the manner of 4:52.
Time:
7:28
